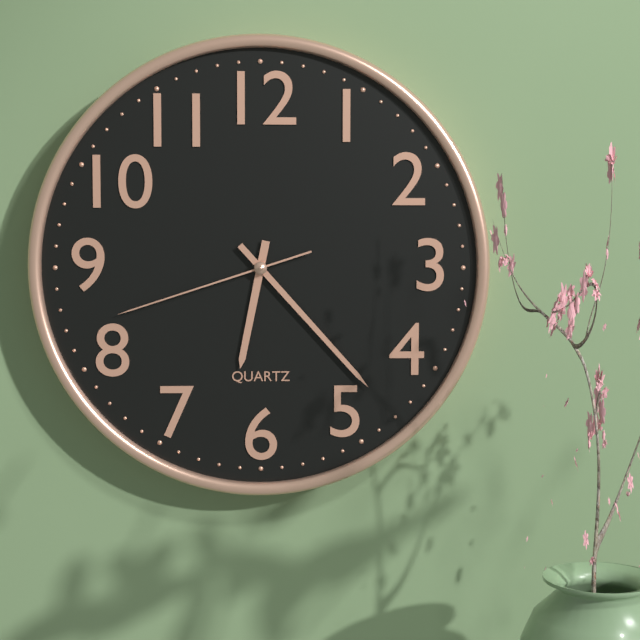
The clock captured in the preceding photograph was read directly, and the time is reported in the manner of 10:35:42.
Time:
6:23:42
